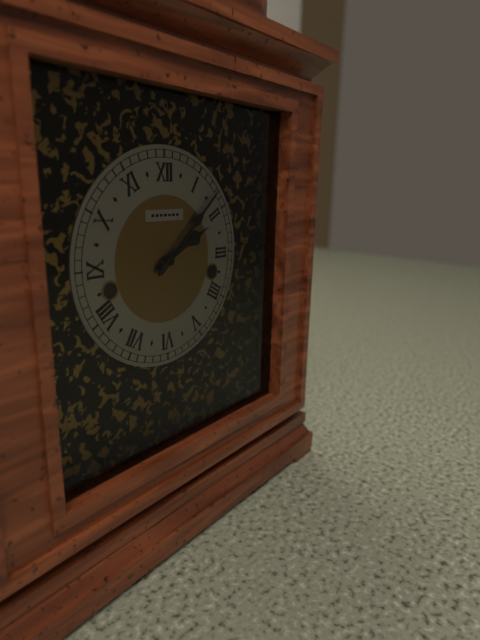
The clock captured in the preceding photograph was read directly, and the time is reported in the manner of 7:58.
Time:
2:08
